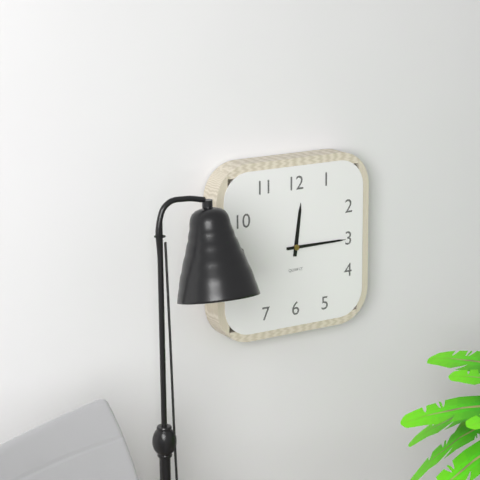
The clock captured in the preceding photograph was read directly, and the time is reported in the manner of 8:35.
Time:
12:15
